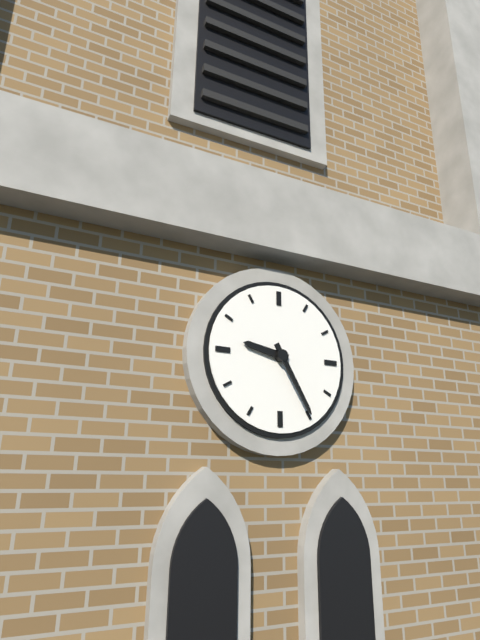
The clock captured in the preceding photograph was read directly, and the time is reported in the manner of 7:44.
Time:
9:25
